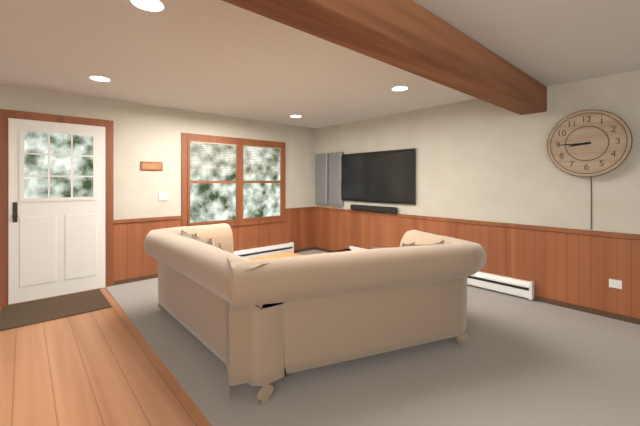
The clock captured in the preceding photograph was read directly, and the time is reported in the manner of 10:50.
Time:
8:45
